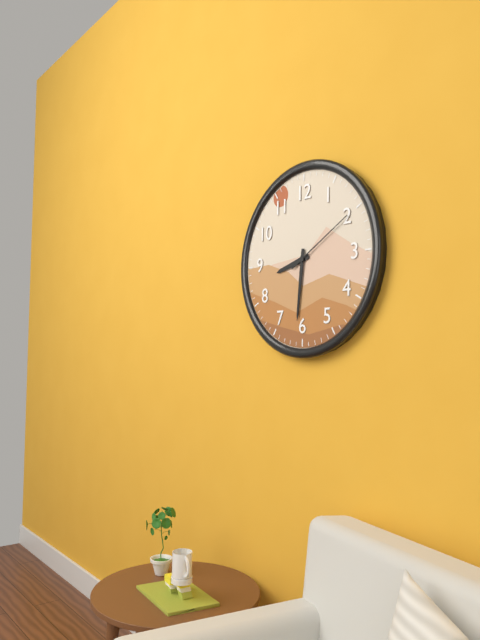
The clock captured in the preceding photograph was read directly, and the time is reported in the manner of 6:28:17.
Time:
8:31:10
